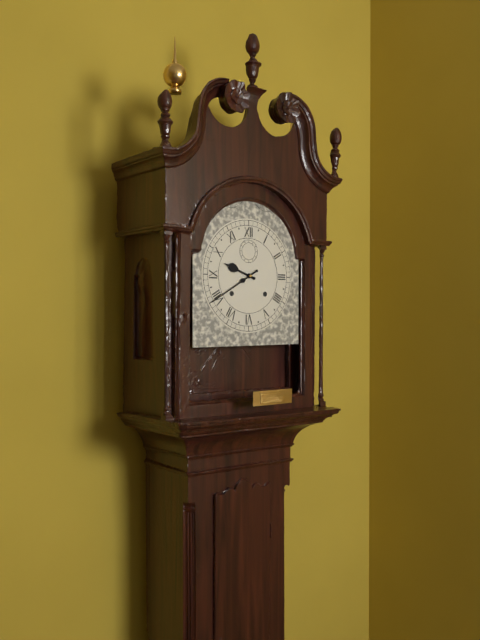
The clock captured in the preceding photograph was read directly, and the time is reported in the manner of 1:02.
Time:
9:40
